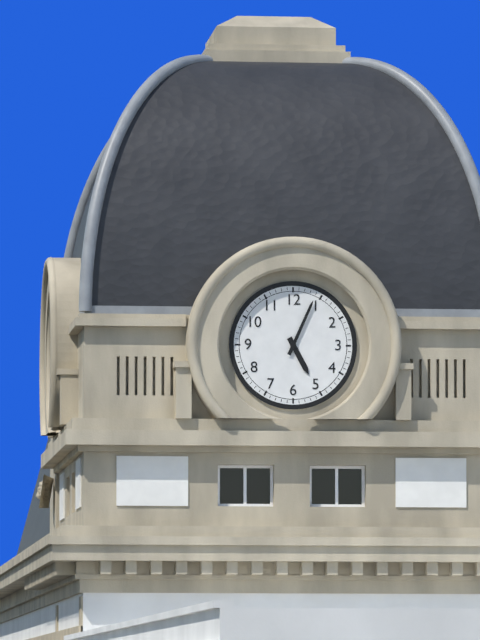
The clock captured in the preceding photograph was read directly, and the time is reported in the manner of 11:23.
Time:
5:04
